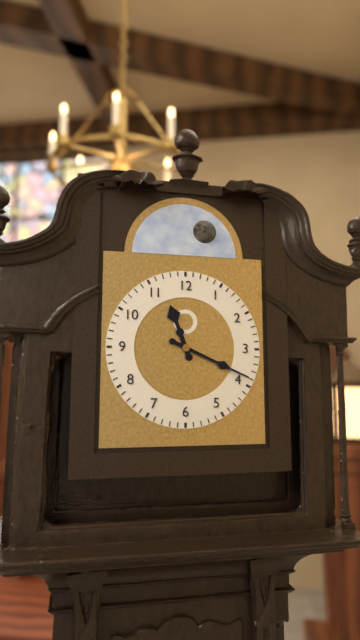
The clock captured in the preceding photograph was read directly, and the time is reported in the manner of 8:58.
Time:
11:19
